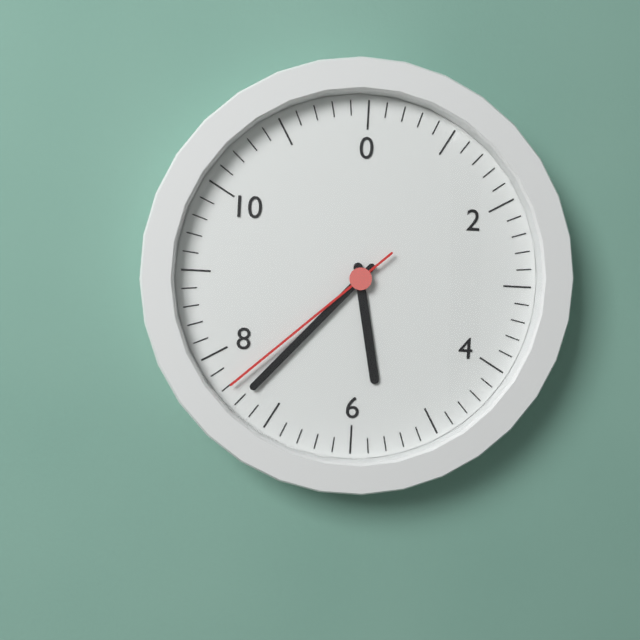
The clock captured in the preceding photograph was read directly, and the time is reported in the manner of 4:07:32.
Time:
5:37:38
